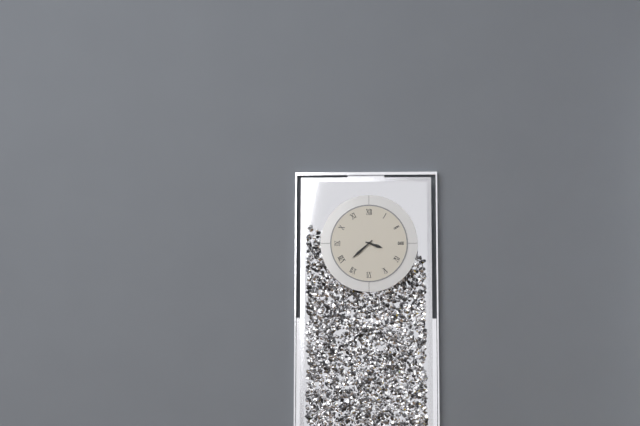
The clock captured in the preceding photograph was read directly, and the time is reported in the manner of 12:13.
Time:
3:38
